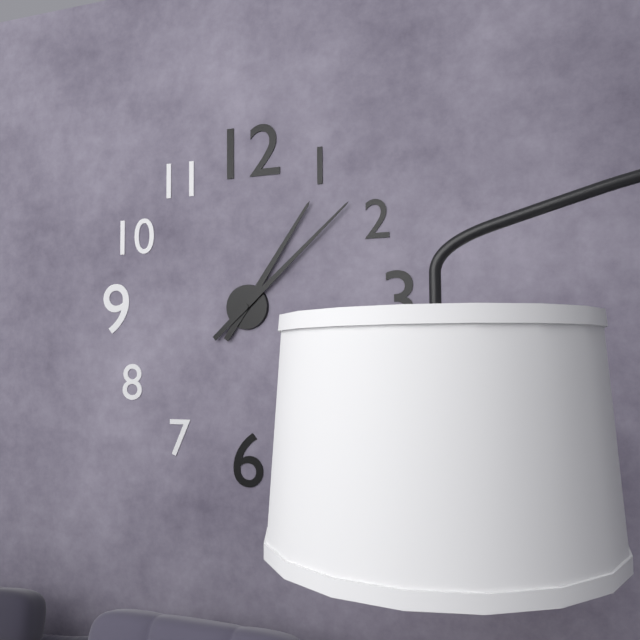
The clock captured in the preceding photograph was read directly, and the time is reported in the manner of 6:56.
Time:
1:08
